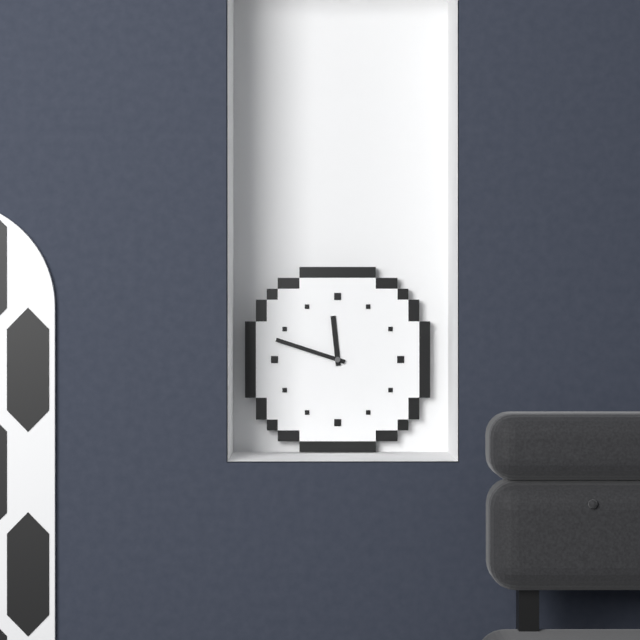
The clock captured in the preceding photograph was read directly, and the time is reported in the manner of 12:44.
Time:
11:48
